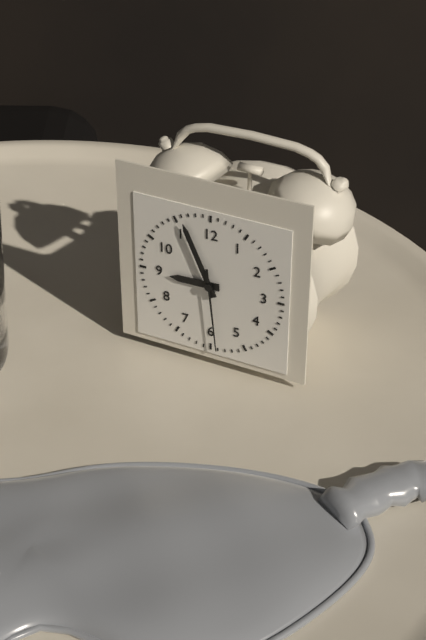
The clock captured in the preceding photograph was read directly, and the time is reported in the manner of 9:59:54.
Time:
8:56:29
